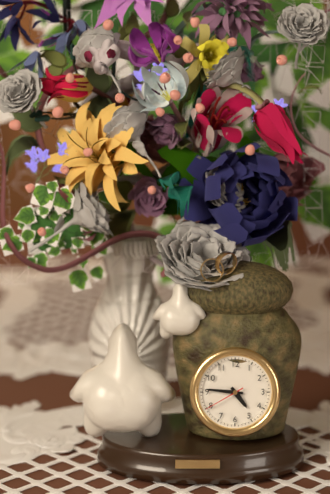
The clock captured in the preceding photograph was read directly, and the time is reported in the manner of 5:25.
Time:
4:46
